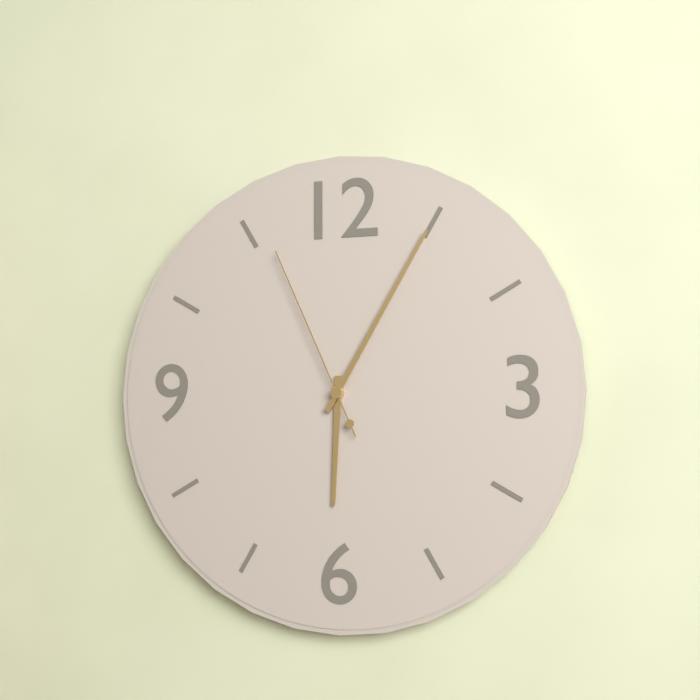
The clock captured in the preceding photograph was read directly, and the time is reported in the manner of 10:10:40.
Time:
6:05:56
